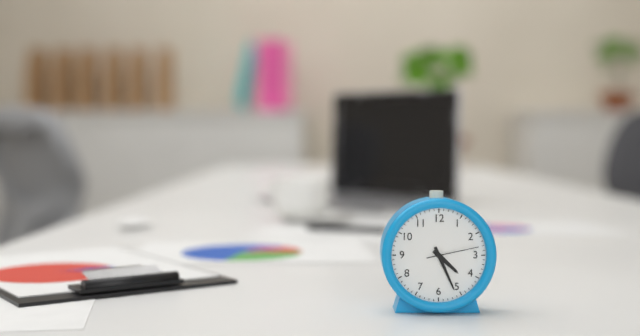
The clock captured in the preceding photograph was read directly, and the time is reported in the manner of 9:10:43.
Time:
4:26:13
